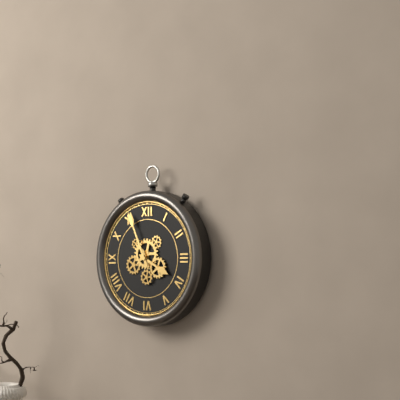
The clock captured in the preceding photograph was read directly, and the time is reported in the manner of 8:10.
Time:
3:56
